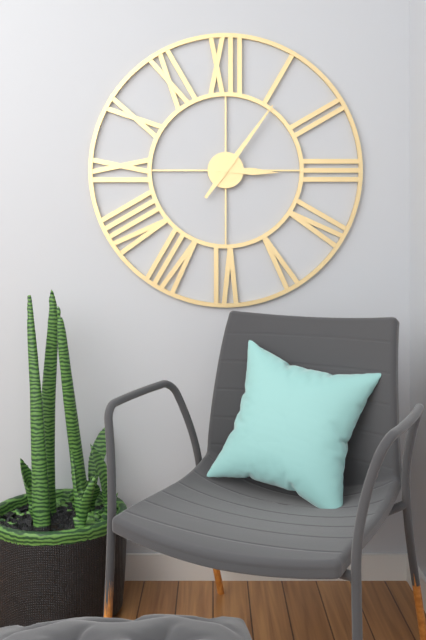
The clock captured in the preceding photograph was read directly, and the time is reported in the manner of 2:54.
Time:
3:06
